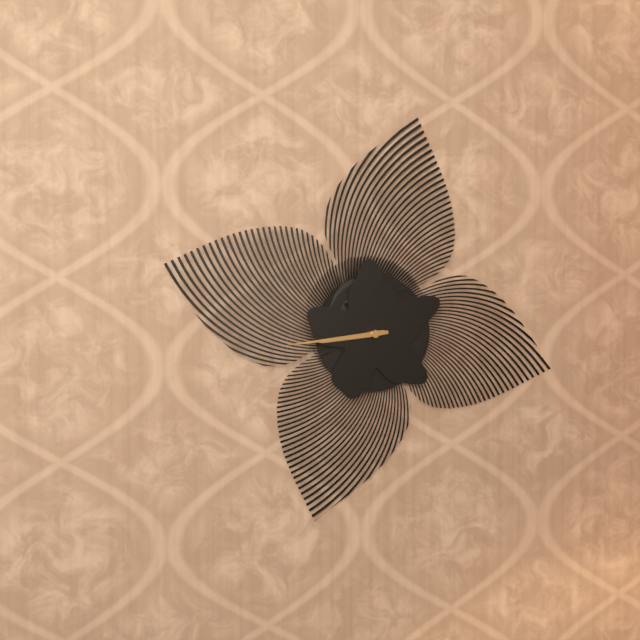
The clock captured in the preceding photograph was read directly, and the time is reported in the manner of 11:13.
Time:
8:44
